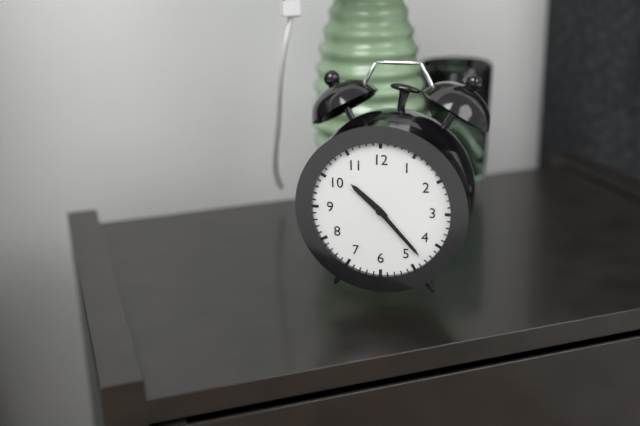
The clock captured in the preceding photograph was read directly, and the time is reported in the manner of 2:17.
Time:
10:23
